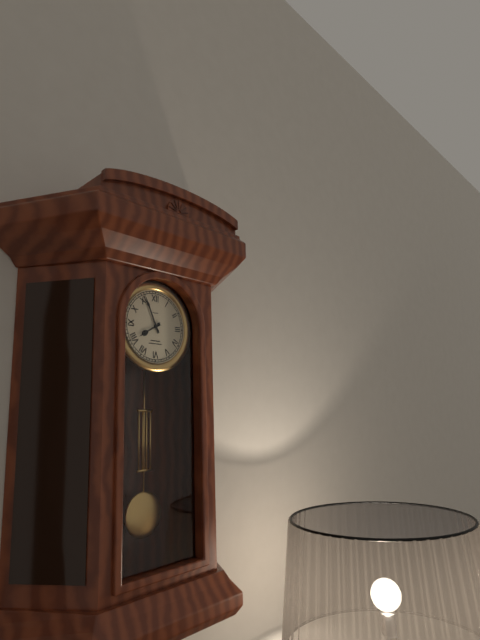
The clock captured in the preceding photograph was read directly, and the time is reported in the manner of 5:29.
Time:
7:56
